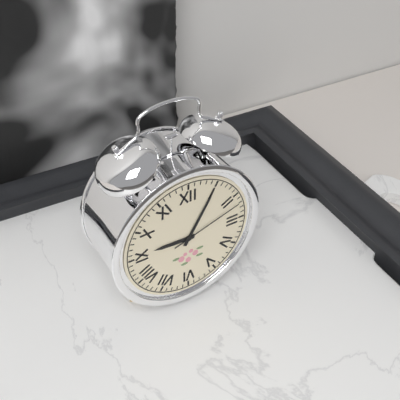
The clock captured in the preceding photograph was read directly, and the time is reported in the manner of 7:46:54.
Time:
9:05:12
